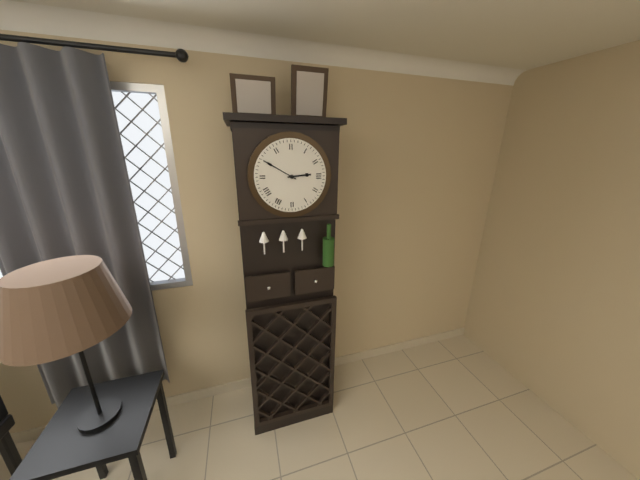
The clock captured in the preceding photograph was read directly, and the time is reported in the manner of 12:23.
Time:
2:50
